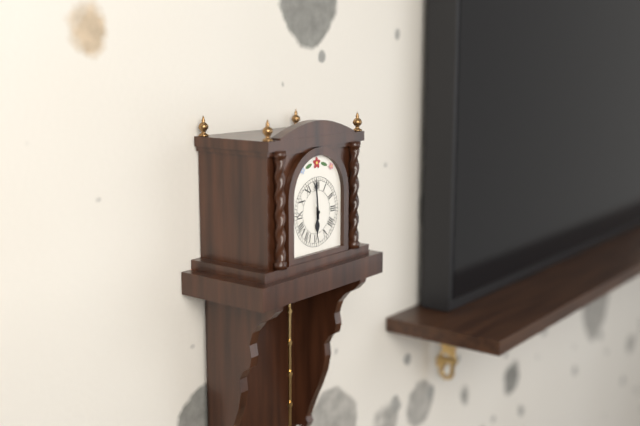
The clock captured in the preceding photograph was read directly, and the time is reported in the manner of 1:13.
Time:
5:59
